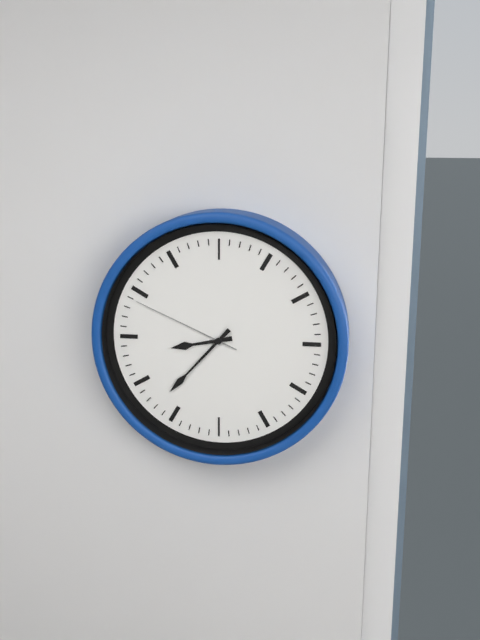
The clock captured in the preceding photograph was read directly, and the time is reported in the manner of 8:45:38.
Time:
8:37:49
